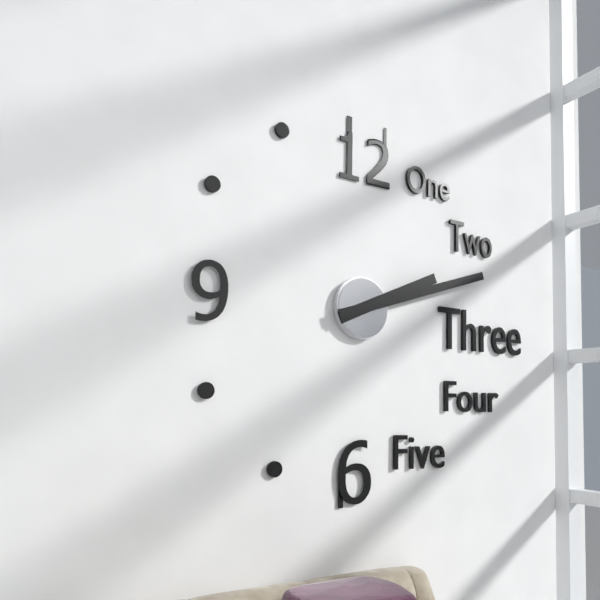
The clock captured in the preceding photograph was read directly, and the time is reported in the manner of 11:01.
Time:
2:12
